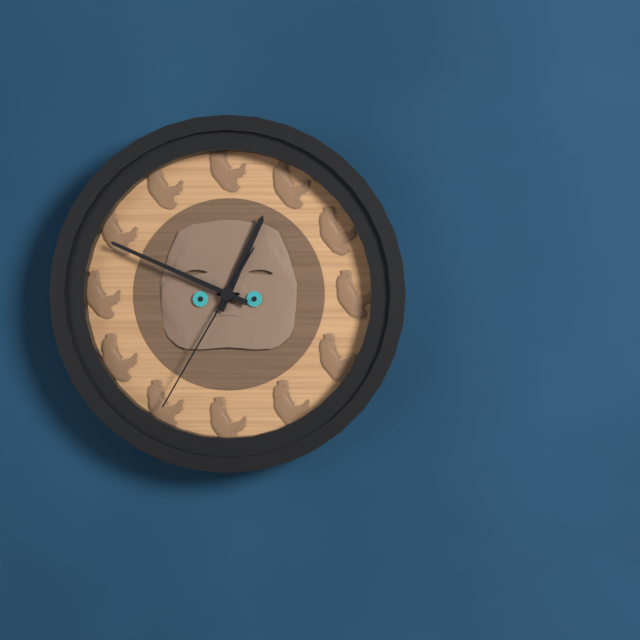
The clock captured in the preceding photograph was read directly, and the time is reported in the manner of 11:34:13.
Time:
12:49:35
